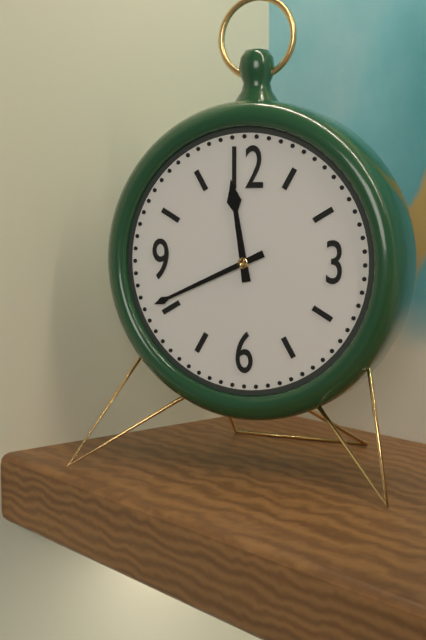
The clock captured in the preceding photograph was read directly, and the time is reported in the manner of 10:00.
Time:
11:41
